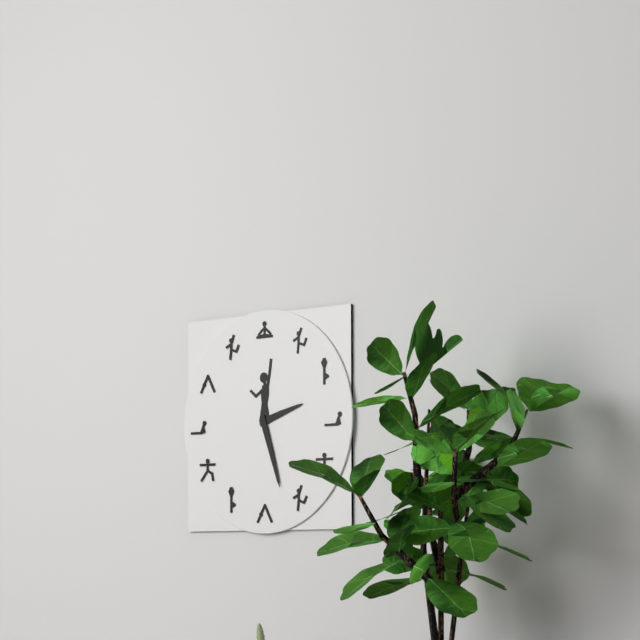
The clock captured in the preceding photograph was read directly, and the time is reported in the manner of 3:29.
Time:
2:27
